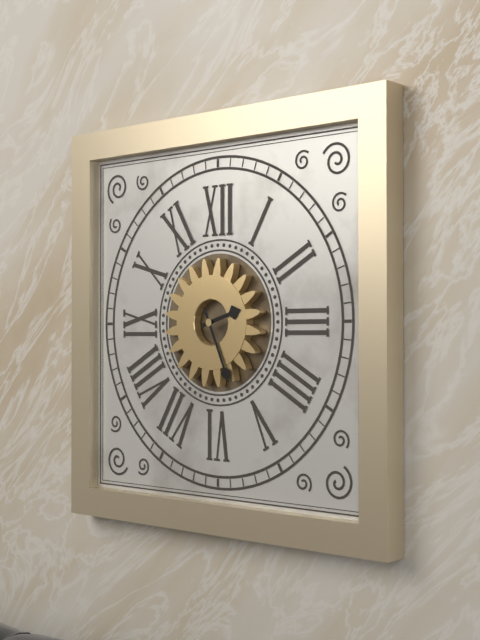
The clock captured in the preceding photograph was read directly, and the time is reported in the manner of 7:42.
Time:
2:26
